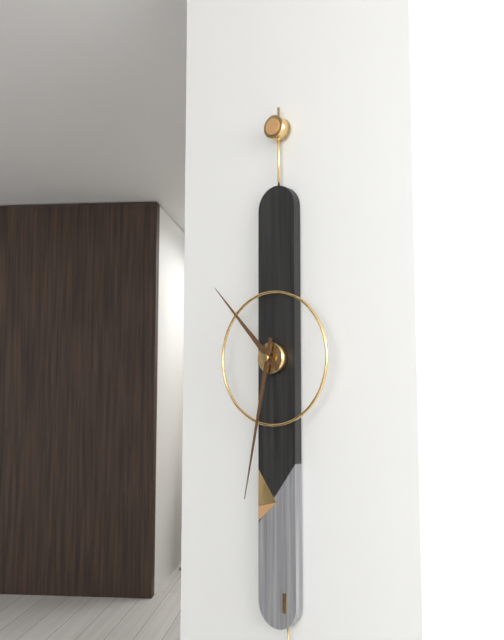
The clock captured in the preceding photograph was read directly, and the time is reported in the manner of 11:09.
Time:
10:32
